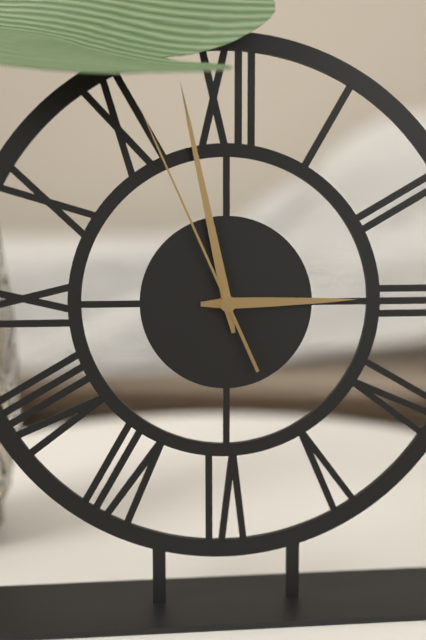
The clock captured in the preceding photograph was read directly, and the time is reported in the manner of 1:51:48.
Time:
2:58:56
